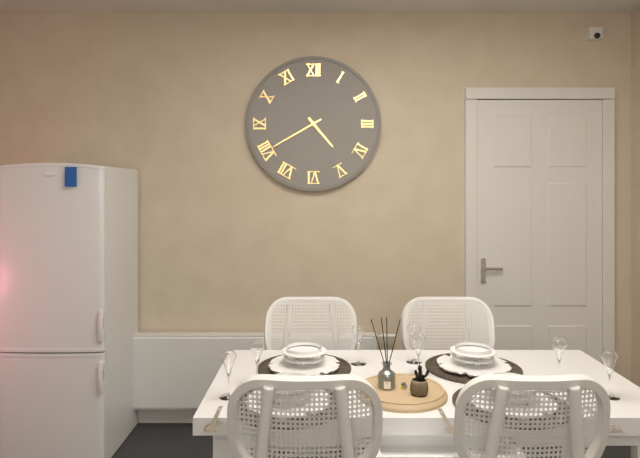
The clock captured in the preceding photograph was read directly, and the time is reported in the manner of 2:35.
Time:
4:40
